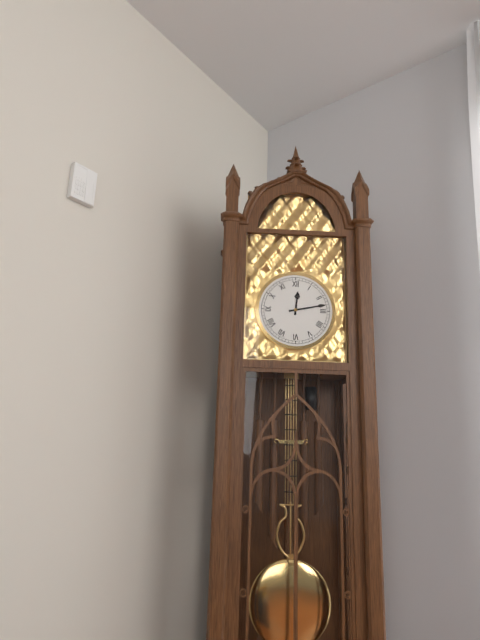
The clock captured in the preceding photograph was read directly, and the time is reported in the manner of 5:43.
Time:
12:13
